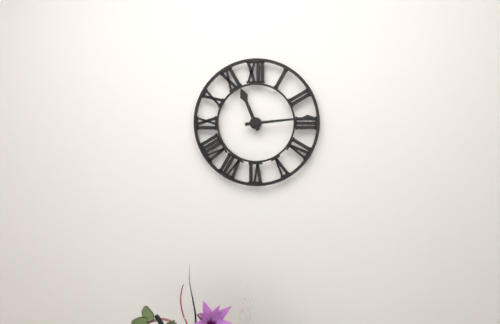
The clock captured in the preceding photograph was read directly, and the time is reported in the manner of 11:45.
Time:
11:14
